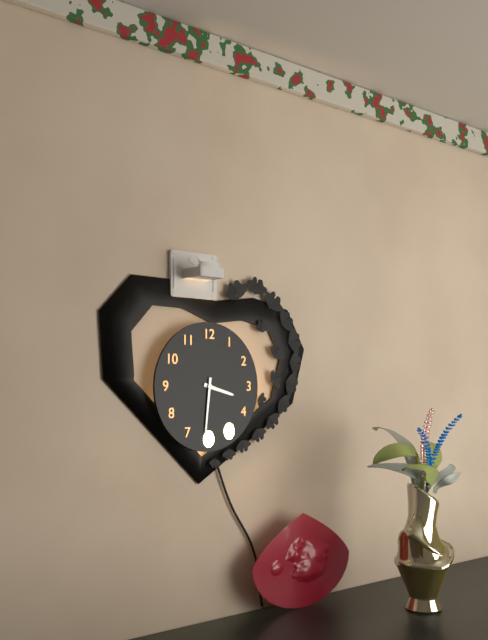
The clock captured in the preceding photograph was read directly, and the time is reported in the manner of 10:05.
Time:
3:31
